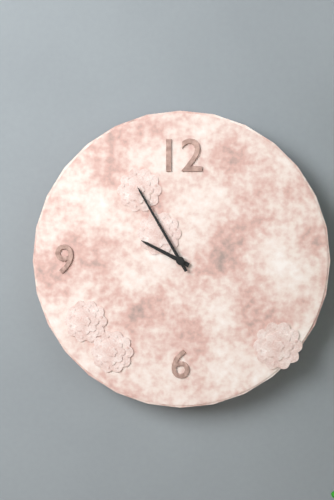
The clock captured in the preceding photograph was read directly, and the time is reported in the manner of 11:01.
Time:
9:55
